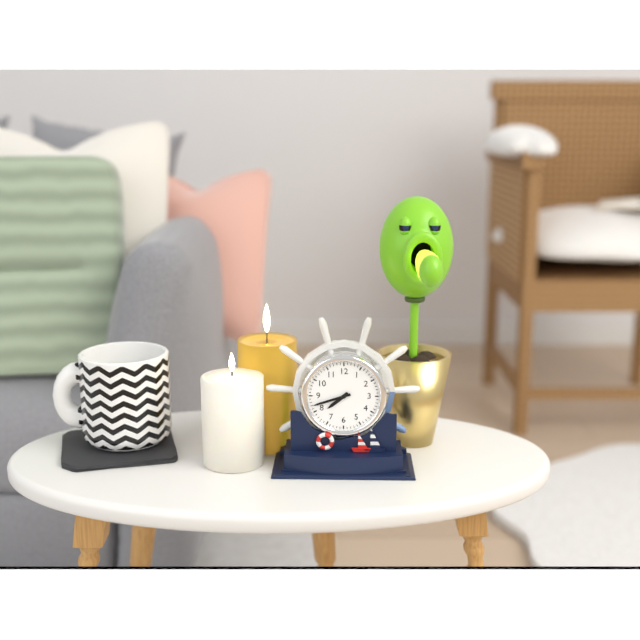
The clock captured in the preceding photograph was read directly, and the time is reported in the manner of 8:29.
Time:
7:42
